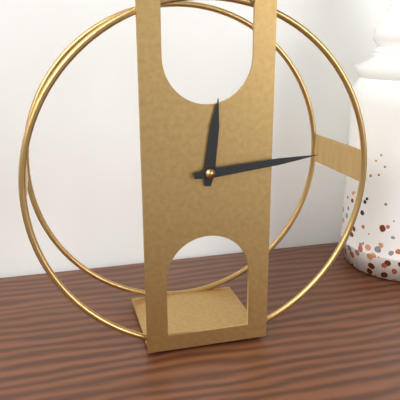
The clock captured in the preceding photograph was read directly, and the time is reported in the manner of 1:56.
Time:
12:14
